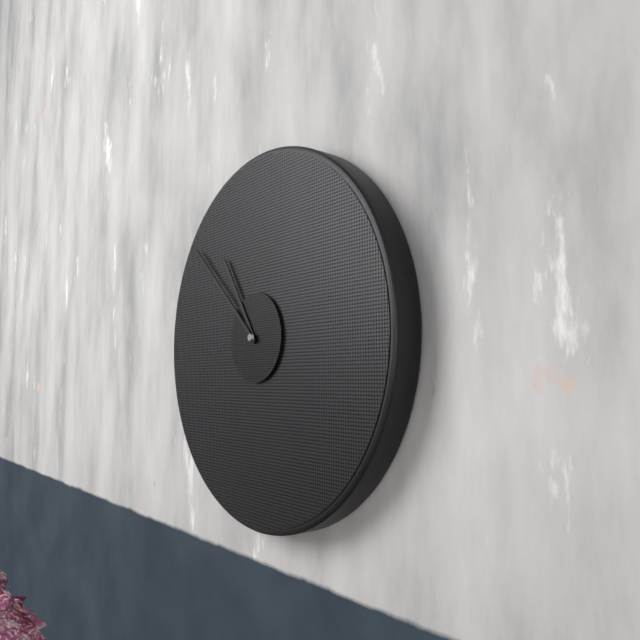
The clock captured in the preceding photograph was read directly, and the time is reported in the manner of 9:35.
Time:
10:52
